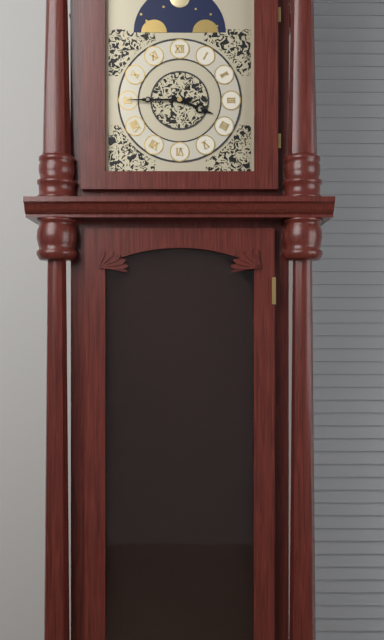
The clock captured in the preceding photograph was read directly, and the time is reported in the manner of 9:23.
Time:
3:45
